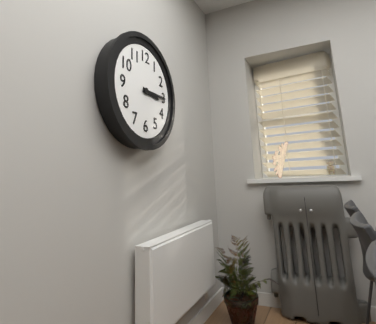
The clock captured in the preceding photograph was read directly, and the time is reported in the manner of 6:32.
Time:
3:15
